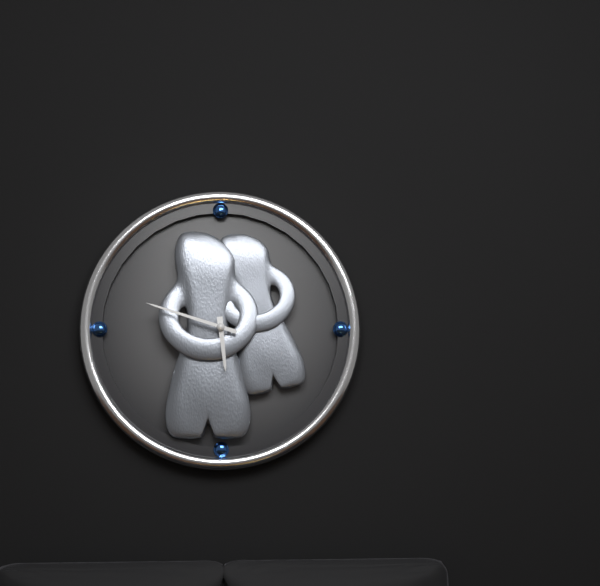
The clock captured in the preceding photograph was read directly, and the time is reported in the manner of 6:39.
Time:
5:48
